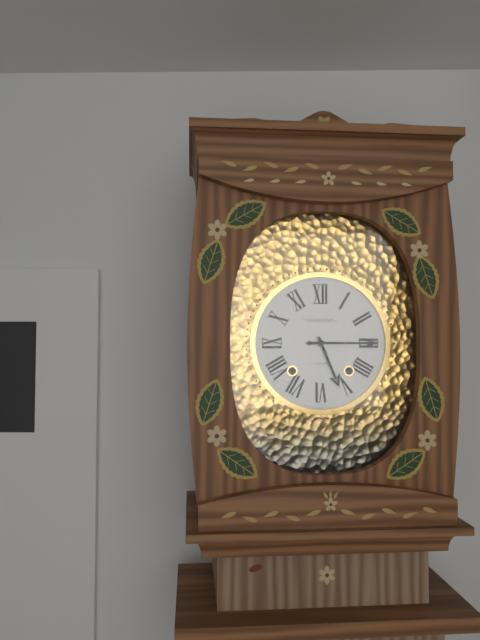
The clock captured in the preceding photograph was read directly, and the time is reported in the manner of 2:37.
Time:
5:15
